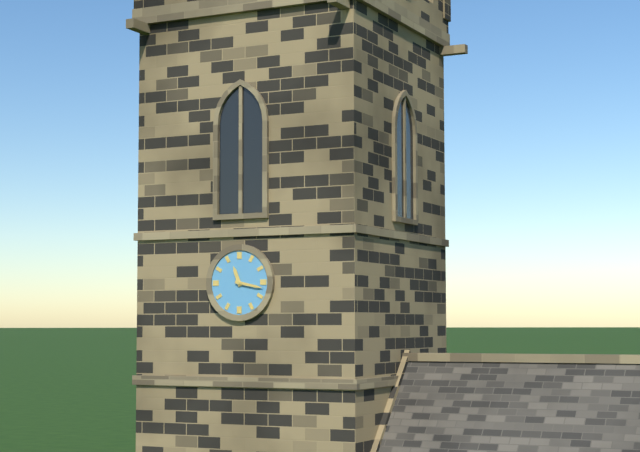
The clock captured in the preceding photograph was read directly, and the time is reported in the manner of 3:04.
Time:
11:17
